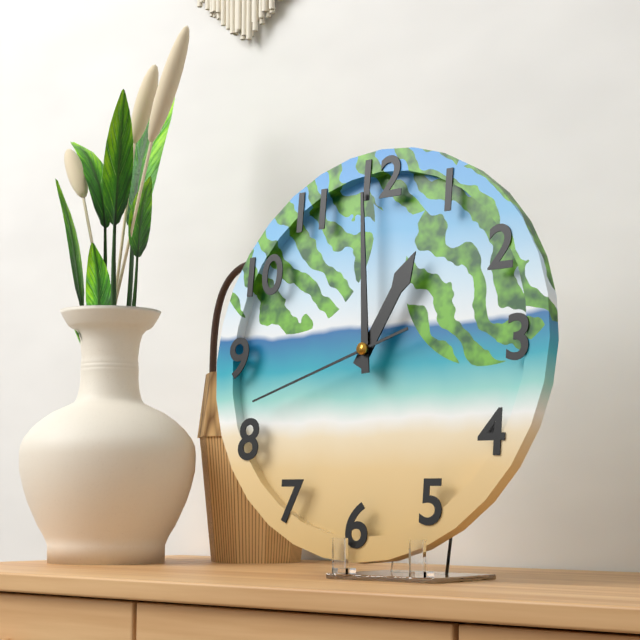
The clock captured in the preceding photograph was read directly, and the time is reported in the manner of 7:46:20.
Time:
12:59:42
